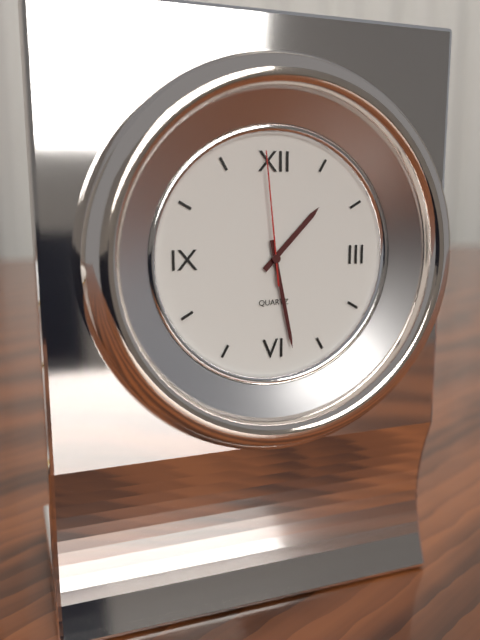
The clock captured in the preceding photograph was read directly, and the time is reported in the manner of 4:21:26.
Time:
1:28:59
